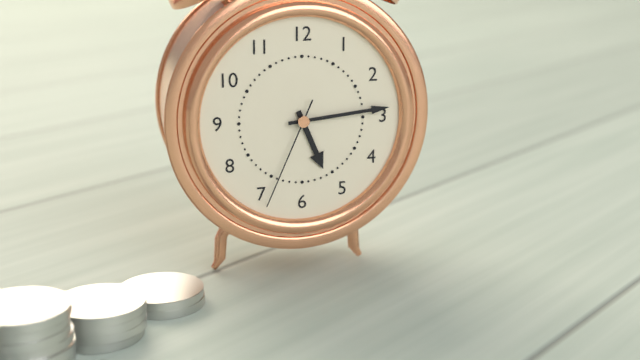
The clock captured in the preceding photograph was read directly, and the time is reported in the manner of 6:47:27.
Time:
5:14:34
